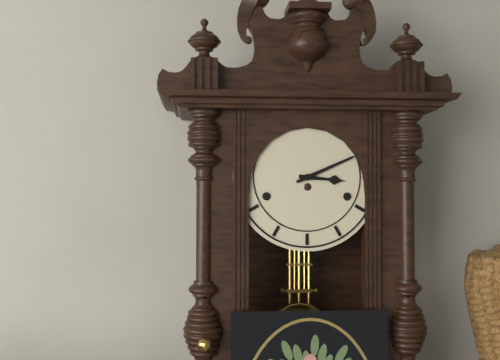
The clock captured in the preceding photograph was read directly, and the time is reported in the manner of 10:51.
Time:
3:11
